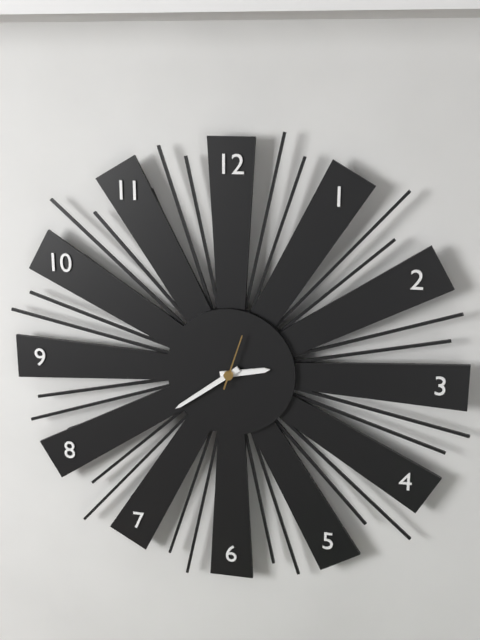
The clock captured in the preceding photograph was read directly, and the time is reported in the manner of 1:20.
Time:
2:39
